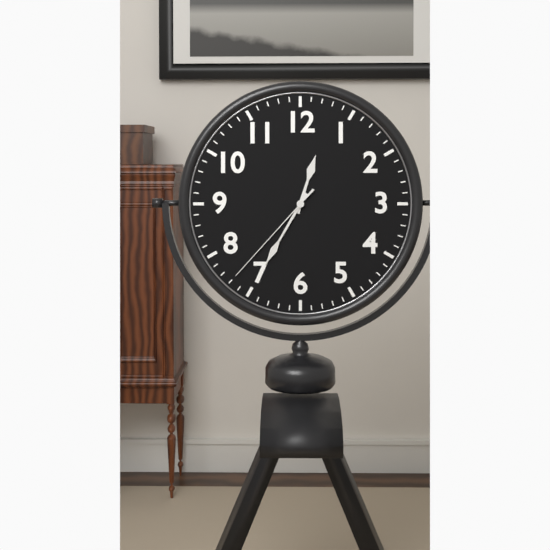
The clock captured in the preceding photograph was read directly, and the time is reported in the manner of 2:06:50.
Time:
12:35:37
